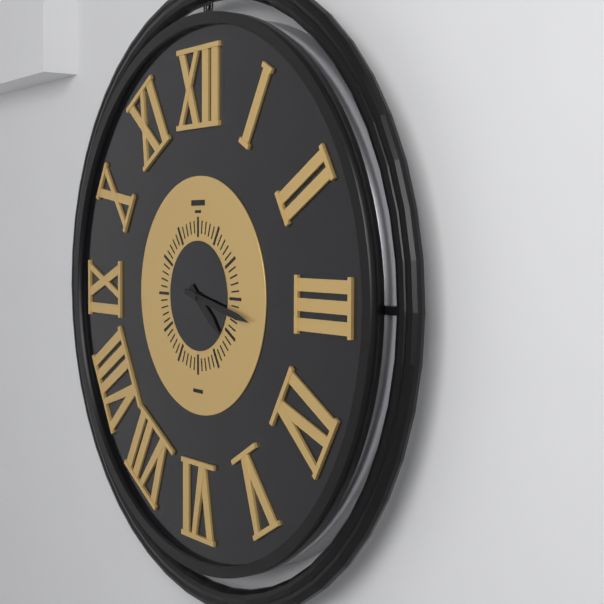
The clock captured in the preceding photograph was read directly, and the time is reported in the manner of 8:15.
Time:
4:17
